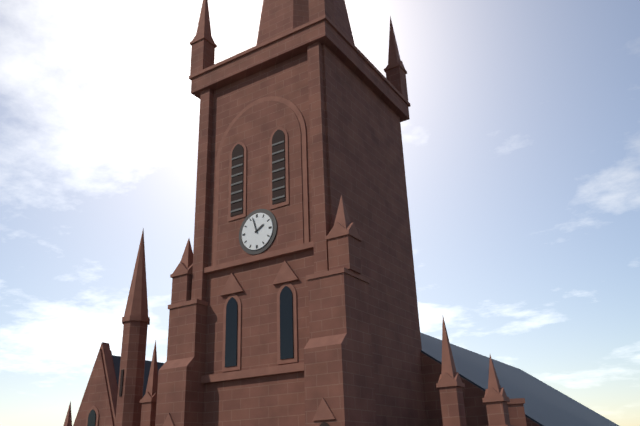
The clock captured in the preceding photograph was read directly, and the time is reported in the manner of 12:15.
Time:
1:57
